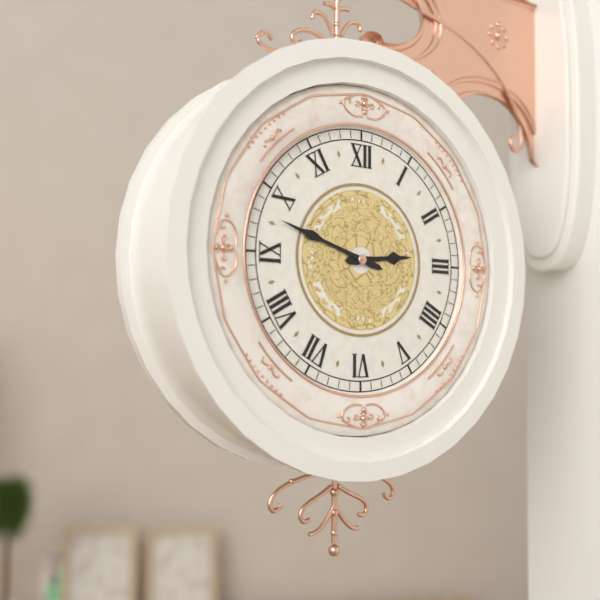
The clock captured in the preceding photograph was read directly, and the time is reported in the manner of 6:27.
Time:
2:48
